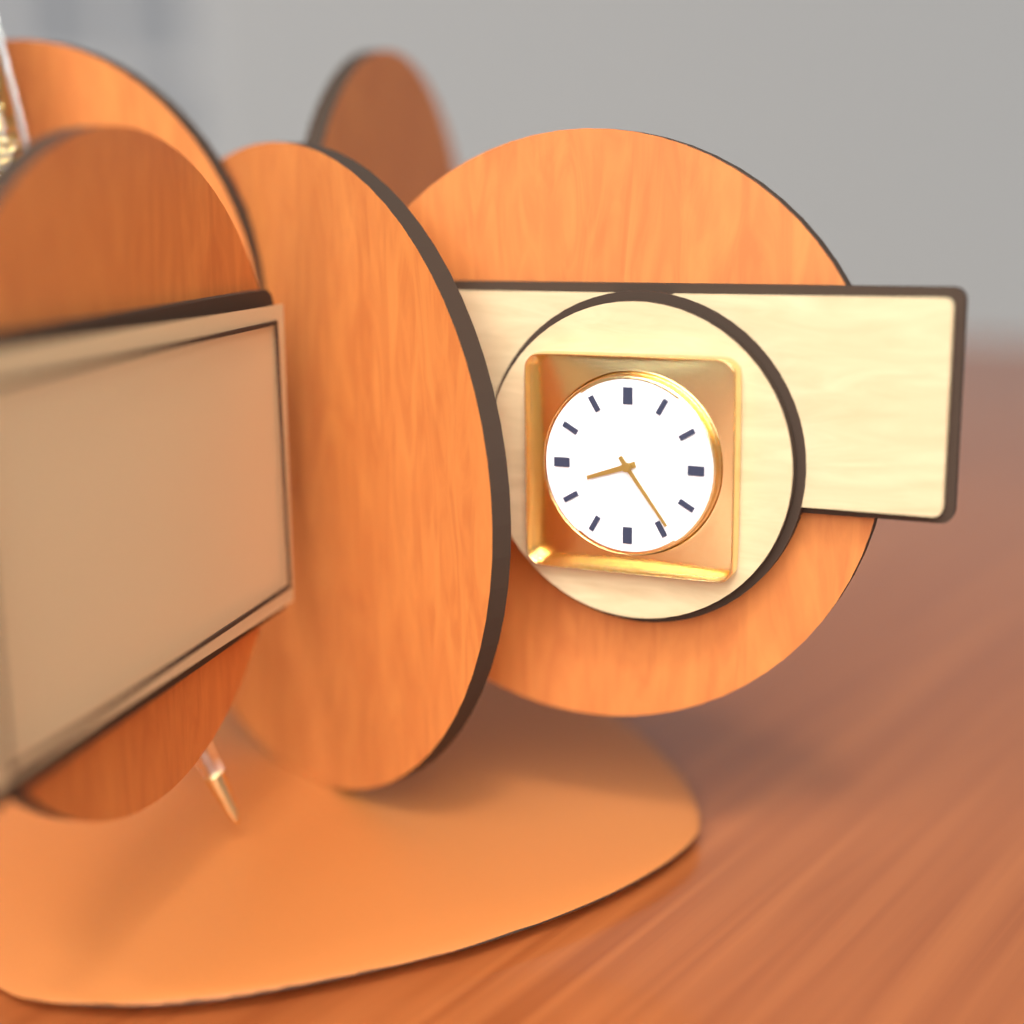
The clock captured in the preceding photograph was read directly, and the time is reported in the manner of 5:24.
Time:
8:24
